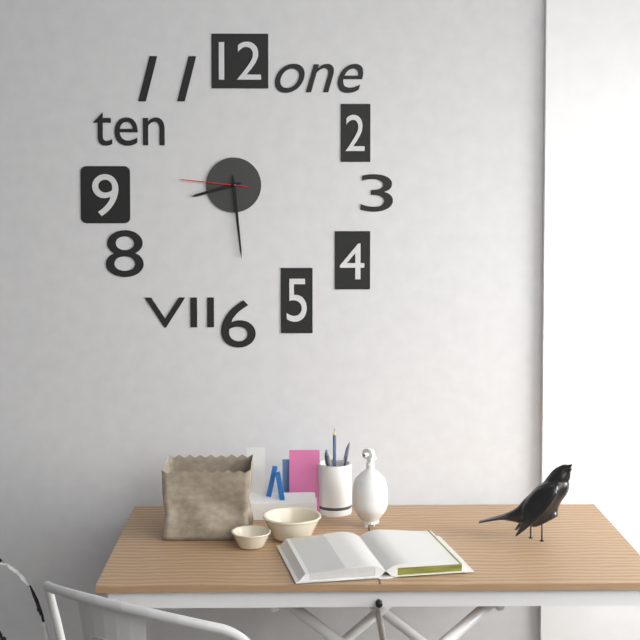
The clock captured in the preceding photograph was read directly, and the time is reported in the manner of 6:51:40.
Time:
8:29:46
